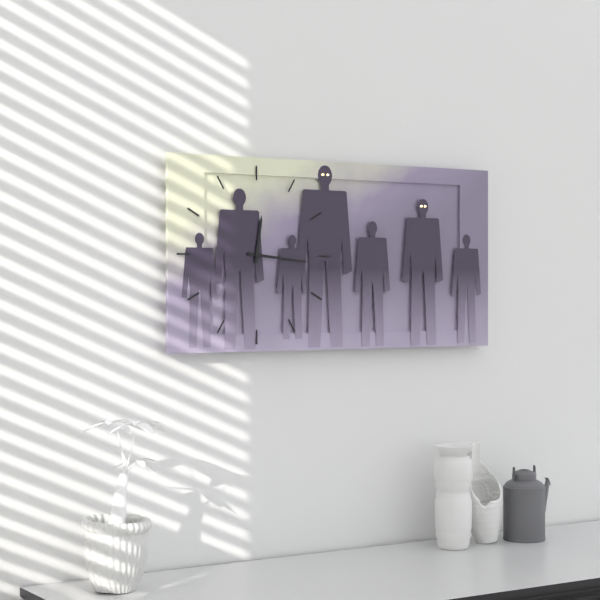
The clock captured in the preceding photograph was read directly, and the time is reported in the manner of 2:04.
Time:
12:16
